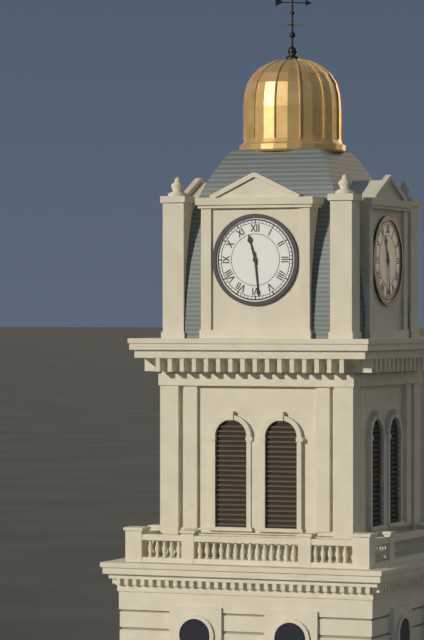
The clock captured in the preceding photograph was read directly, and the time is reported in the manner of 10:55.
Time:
11:29
